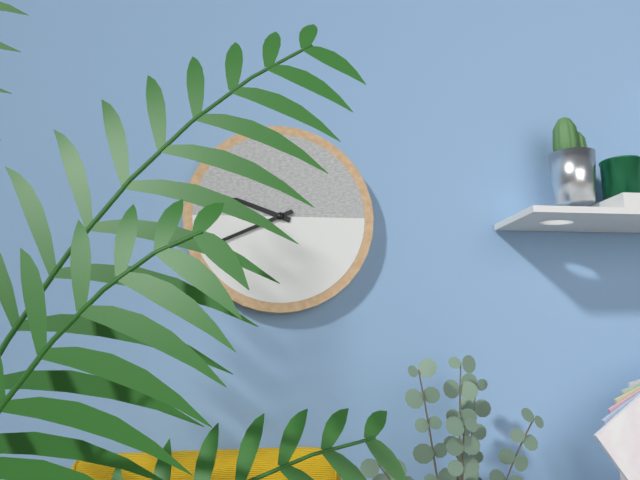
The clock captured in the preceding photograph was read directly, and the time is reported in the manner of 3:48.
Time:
9:41
